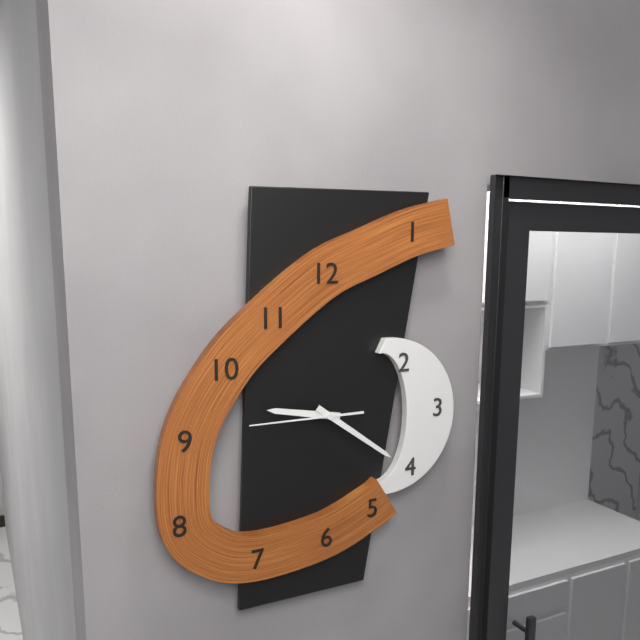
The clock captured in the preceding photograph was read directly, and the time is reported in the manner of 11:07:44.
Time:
9:21:45
